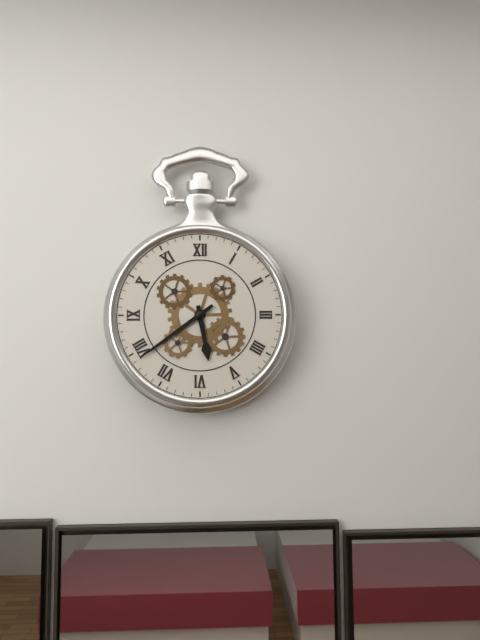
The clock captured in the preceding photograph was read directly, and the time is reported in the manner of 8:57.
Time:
5:39
